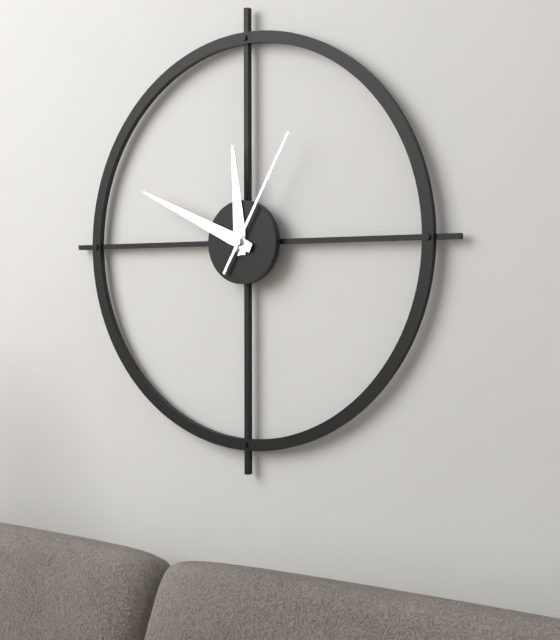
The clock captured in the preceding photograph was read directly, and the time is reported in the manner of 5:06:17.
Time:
11:49:05
